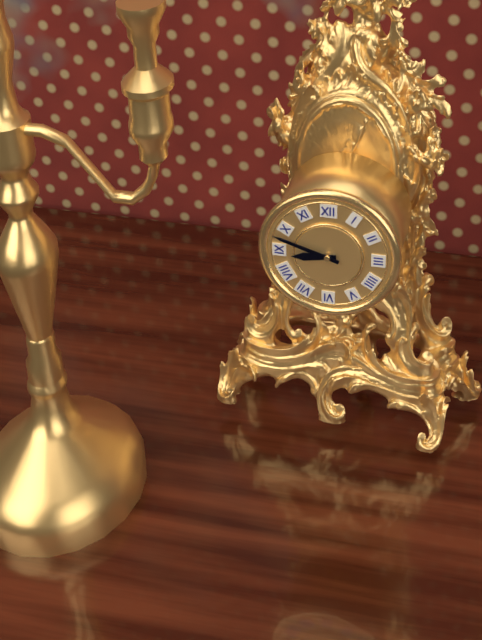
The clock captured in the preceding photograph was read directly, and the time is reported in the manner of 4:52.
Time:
8:48
